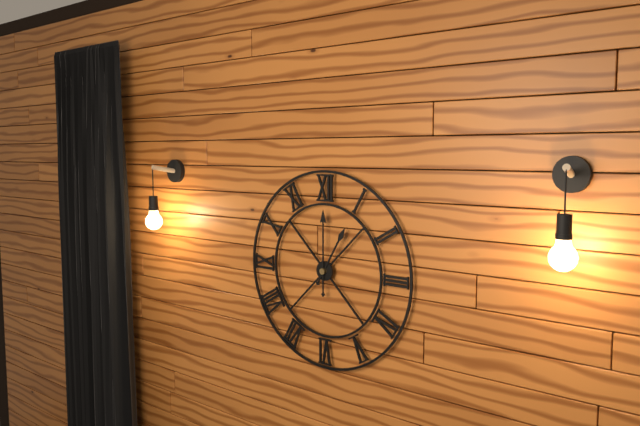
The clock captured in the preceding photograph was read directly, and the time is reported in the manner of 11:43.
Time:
1:00
